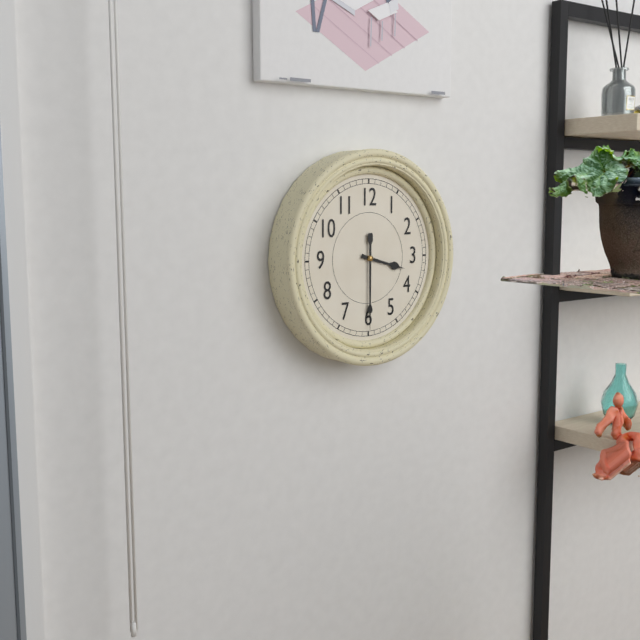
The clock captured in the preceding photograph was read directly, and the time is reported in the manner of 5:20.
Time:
3:30
